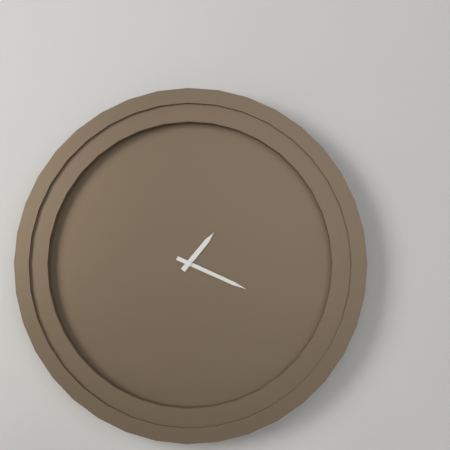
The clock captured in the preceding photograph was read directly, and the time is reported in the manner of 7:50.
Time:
1:19
